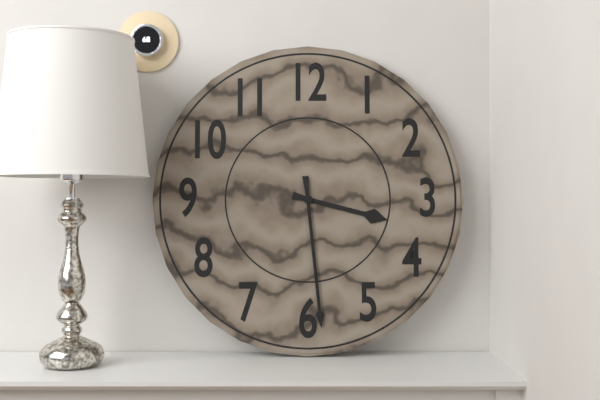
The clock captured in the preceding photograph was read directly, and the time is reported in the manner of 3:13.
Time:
3:29
